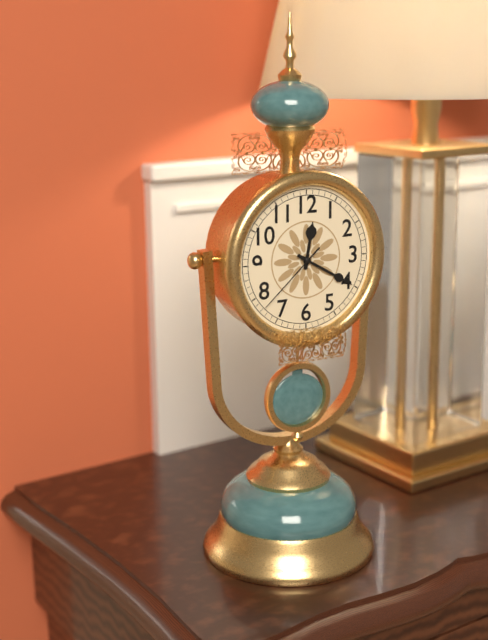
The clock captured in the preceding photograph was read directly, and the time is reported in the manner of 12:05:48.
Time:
12:20:38
